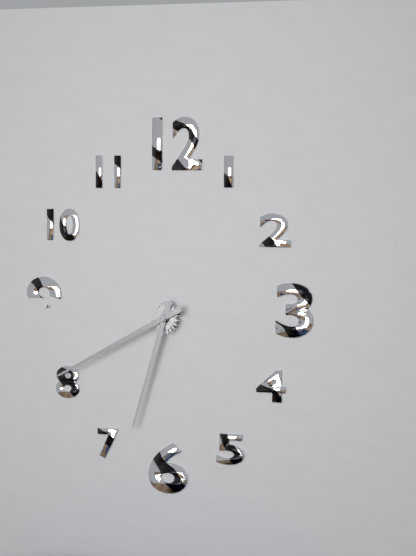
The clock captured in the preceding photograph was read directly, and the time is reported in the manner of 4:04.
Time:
6:41
